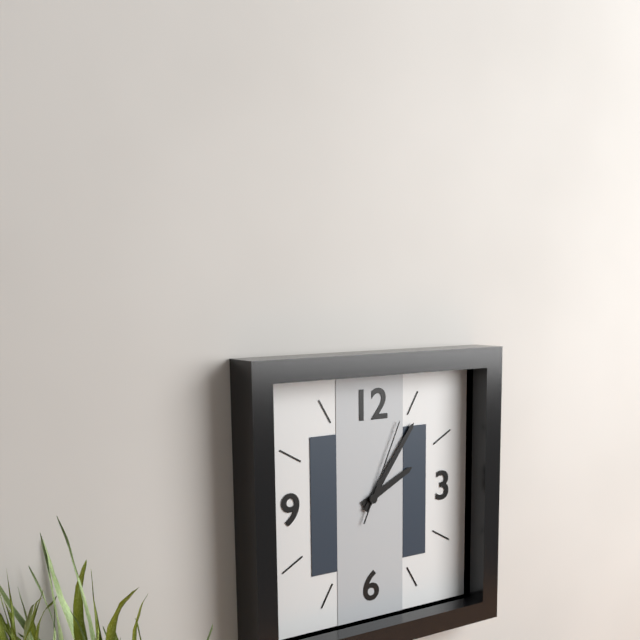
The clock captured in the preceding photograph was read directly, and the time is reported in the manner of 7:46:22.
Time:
2:06:04
